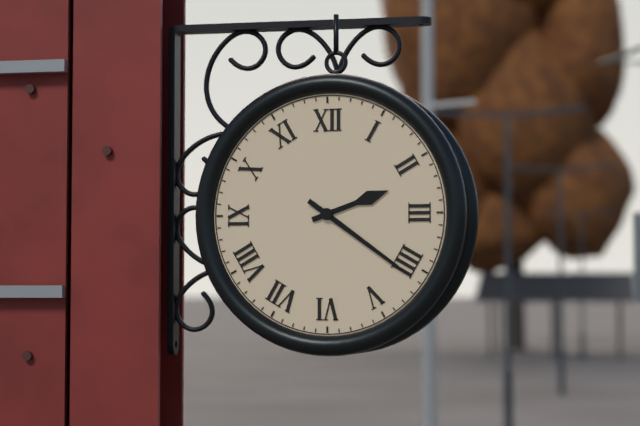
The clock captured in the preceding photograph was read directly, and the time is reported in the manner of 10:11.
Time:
2:21
